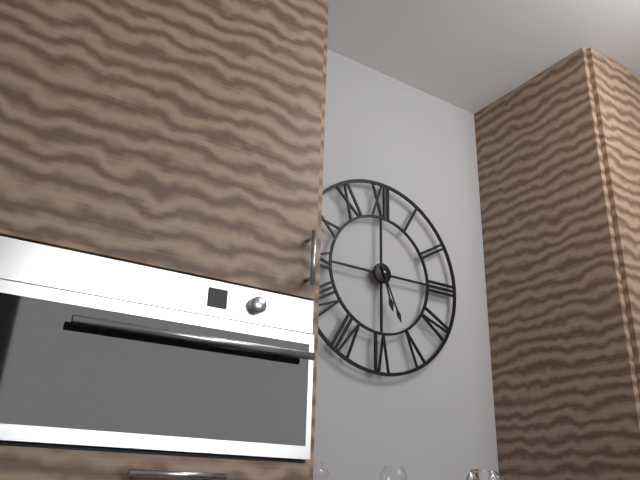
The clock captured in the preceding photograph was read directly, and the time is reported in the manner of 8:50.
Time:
5:26
